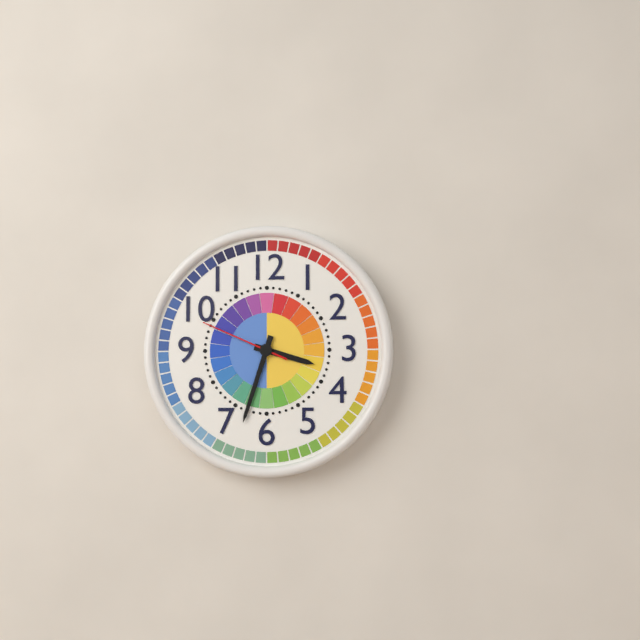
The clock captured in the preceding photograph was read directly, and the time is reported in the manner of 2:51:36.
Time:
3:33:49
